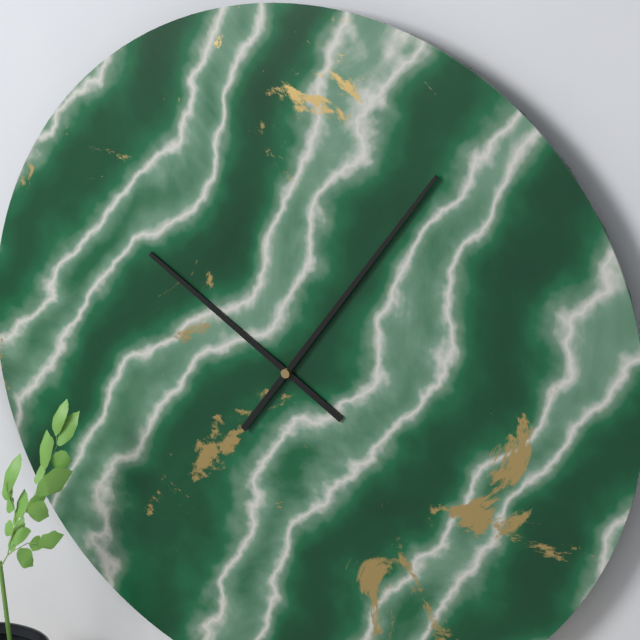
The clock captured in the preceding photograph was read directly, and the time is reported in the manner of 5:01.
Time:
10:06
